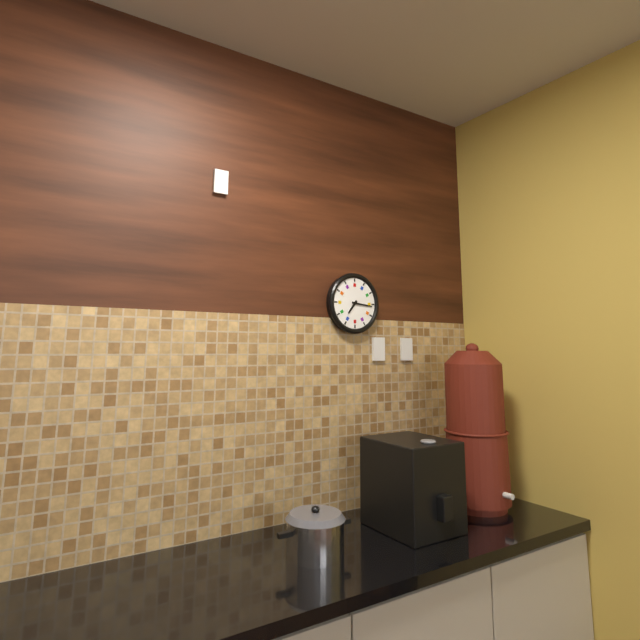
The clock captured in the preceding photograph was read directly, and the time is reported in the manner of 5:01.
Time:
7:16
